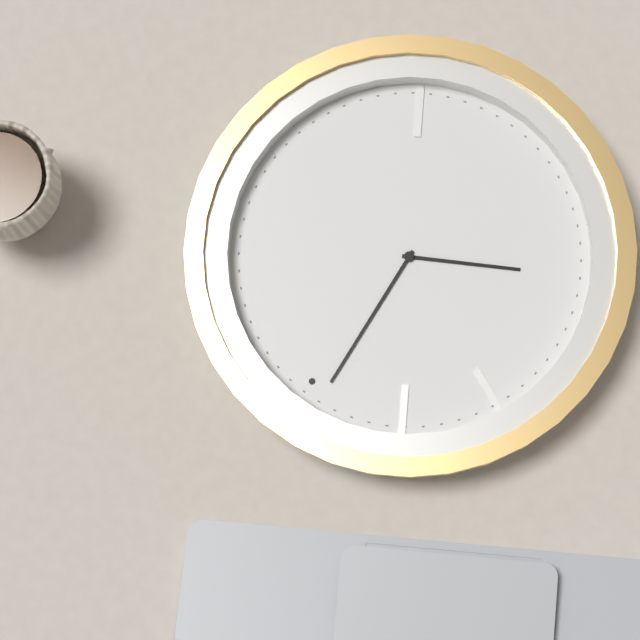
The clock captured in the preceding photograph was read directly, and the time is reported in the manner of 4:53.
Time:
7:59
